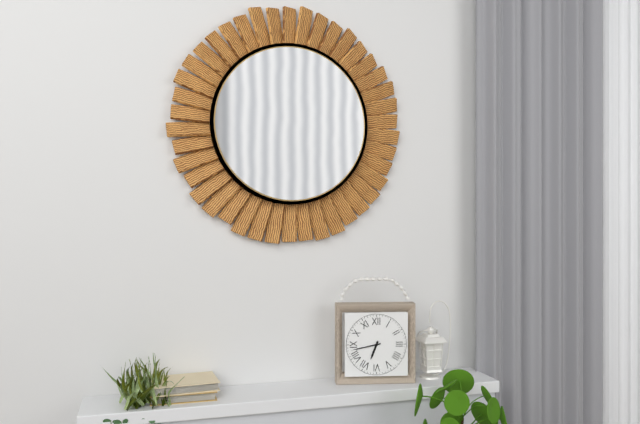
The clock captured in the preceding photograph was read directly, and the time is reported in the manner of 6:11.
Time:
6:43
